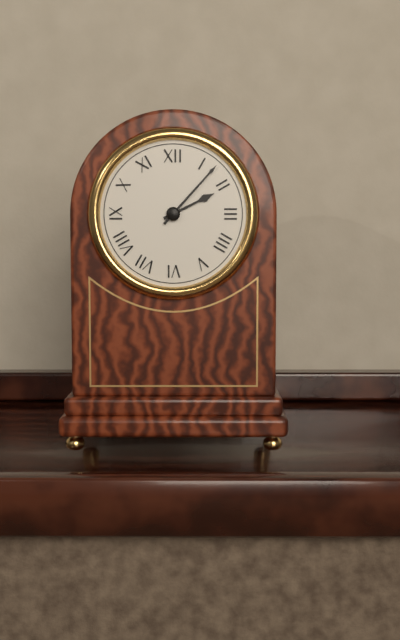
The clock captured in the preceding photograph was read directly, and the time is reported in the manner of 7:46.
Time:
2:07
